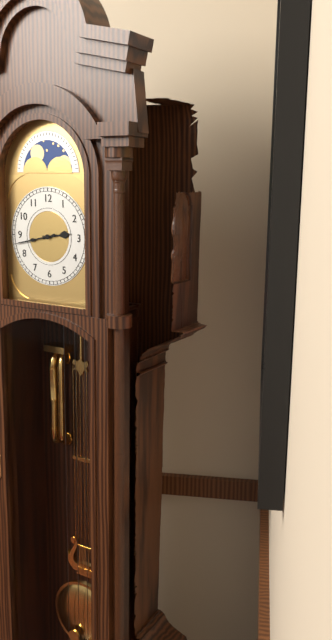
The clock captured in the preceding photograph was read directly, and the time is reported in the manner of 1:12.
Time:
2:43
